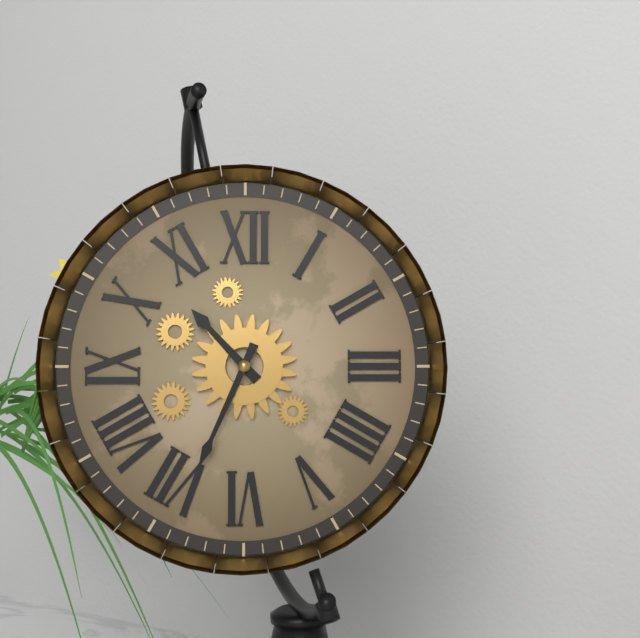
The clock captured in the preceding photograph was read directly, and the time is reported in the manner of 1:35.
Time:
10:34
